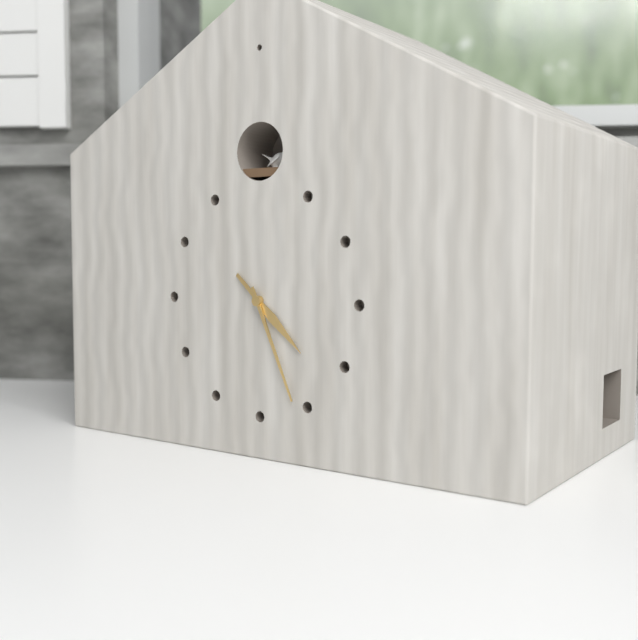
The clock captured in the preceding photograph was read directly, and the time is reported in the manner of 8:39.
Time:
4:26
